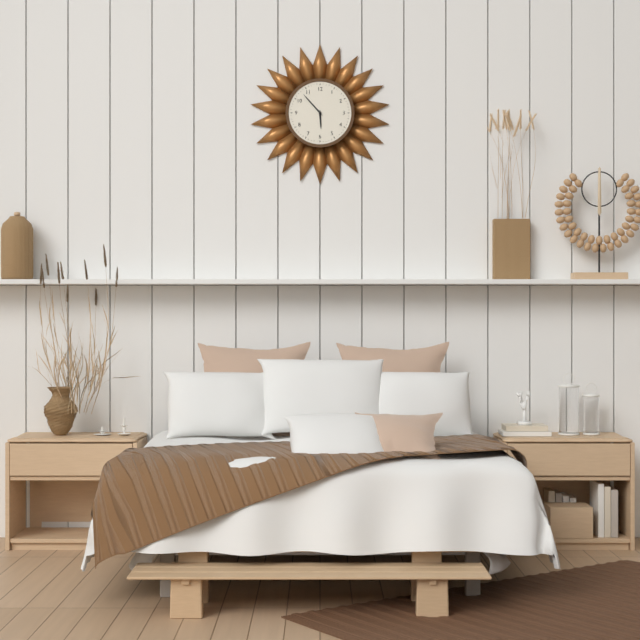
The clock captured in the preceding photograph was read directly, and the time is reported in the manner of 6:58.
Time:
5:53
